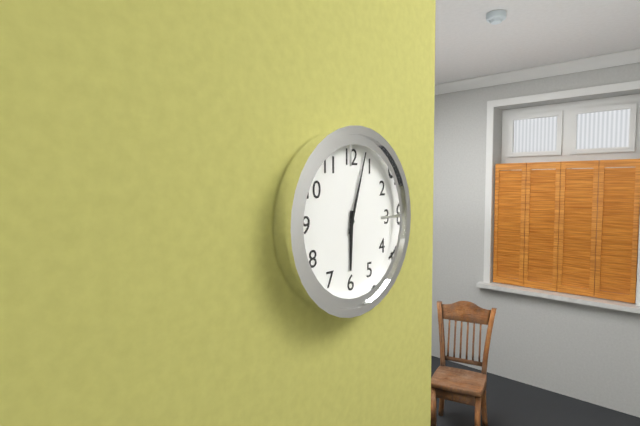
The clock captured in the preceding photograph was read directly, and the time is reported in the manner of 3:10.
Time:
6:03
